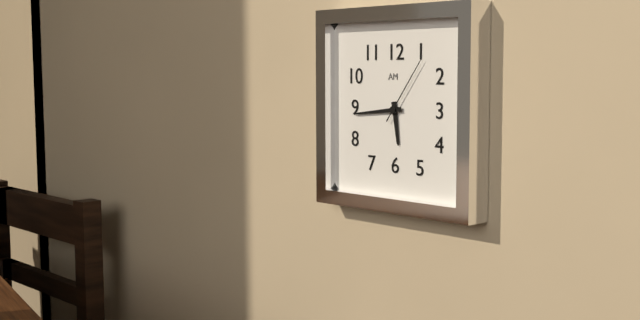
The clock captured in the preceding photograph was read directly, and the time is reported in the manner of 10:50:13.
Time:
5:44:06
